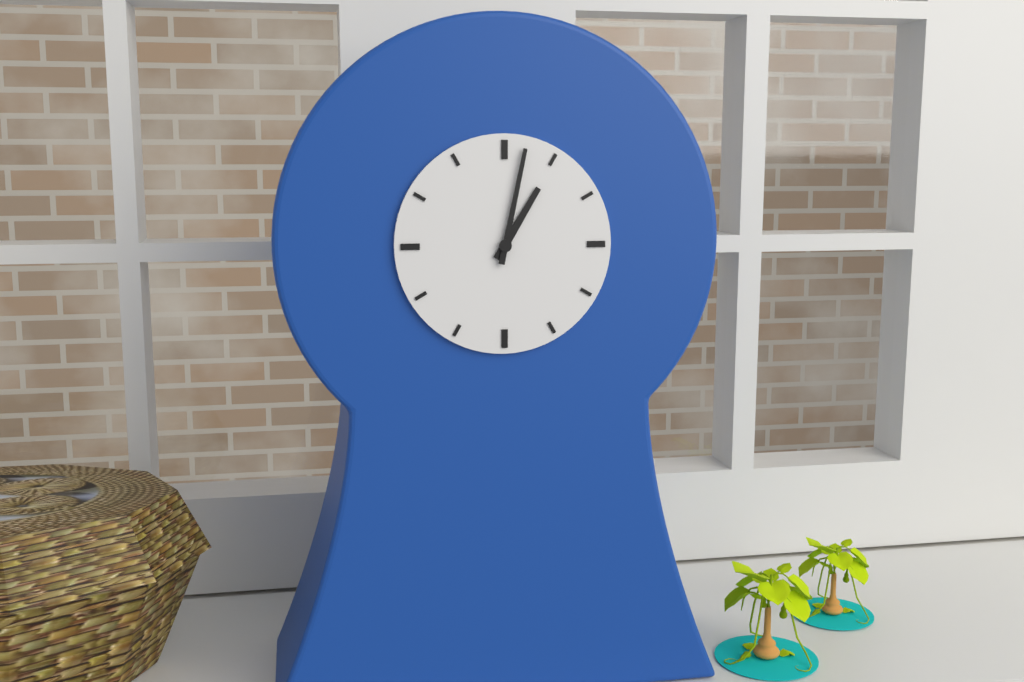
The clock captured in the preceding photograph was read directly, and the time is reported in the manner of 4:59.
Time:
1:02
